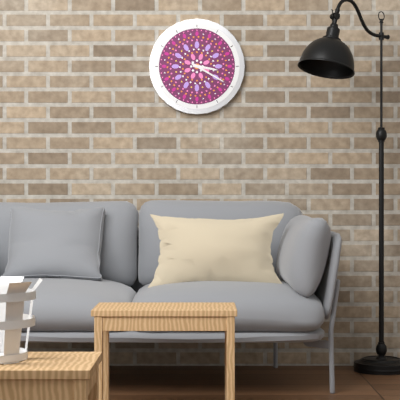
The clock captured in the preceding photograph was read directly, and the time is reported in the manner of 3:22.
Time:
3:20
